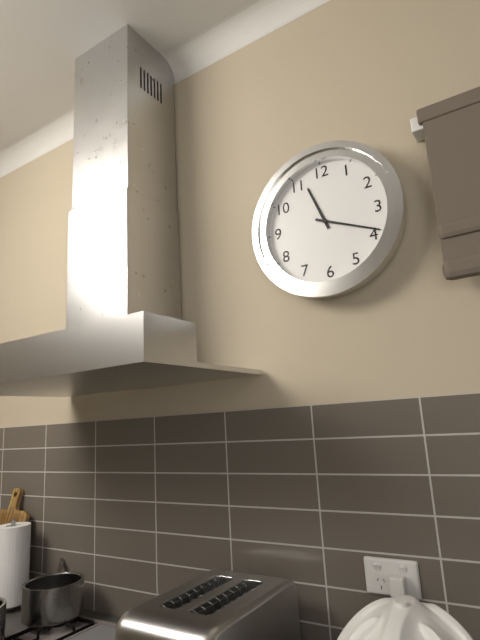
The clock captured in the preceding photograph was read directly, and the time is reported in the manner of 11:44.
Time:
11:19
